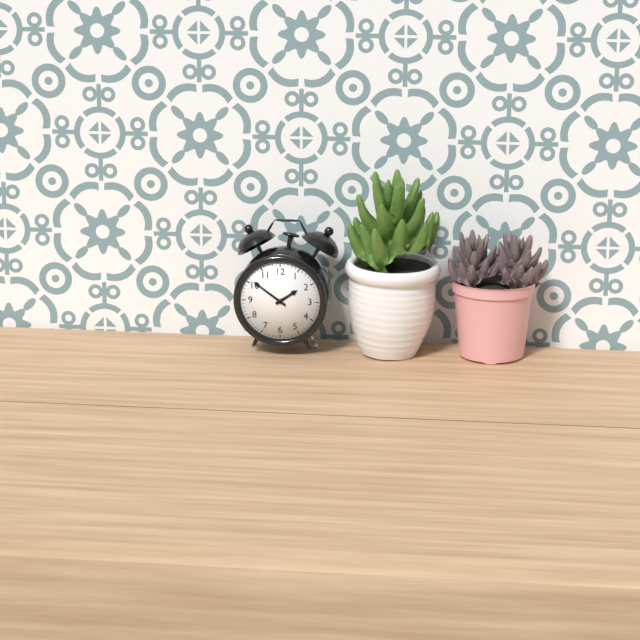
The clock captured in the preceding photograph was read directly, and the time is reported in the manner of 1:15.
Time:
1:51
